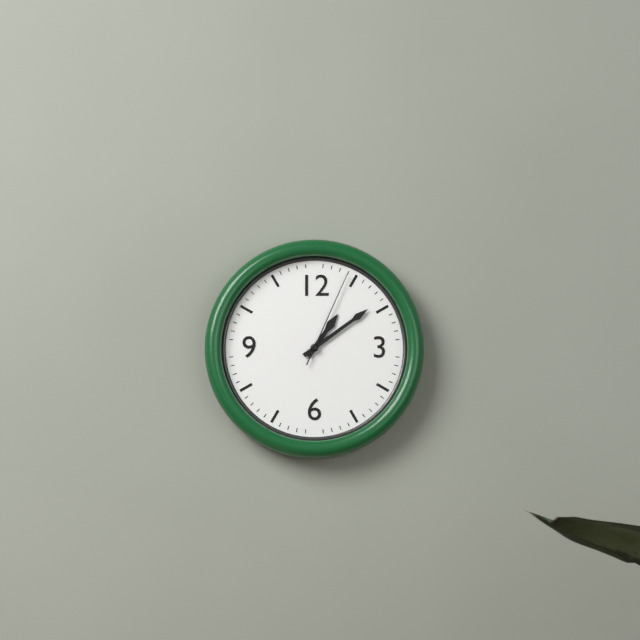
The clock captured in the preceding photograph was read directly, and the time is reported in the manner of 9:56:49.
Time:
1:09:04
